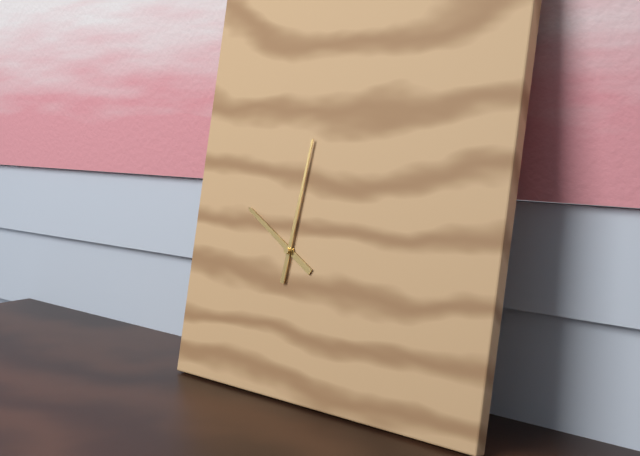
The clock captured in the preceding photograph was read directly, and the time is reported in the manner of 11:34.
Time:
10:01
